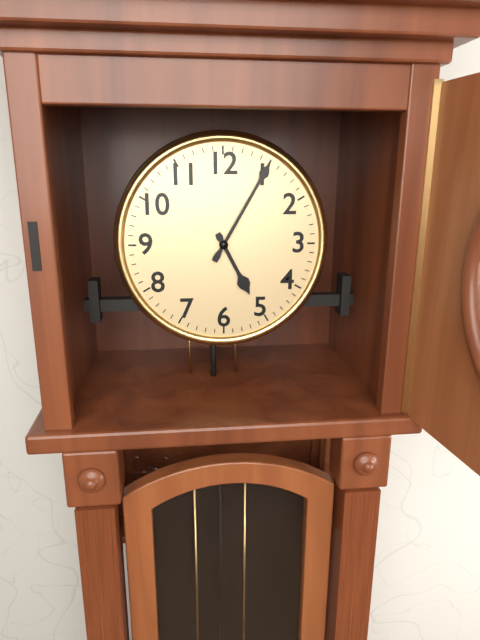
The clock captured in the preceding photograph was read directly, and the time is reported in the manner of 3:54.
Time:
5:05
